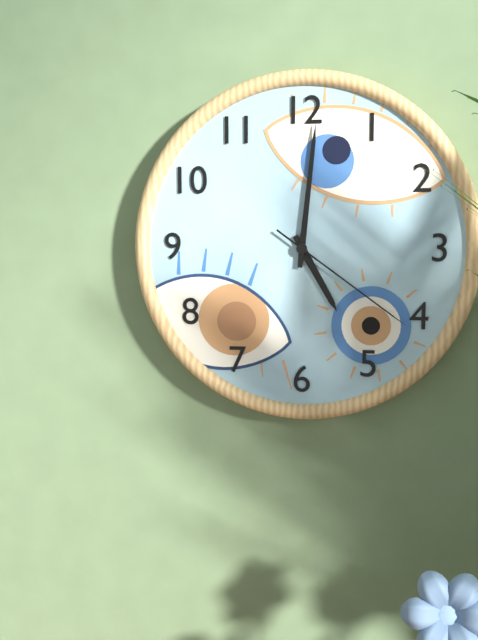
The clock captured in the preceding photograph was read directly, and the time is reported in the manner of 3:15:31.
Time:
5:01:21
